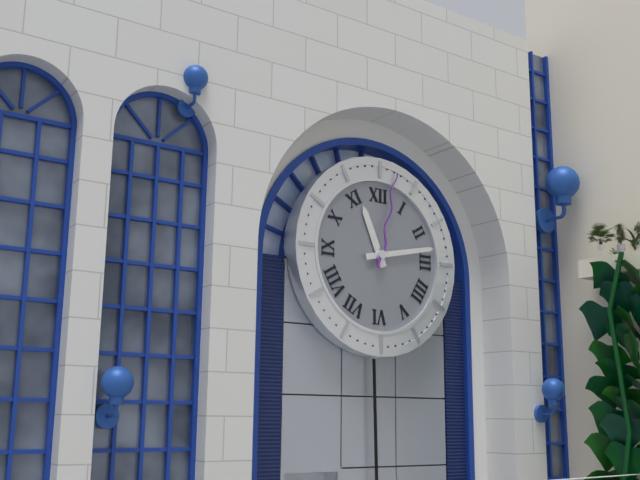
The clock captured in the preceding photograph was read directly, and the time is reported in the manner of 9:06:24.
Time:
11:13:02
